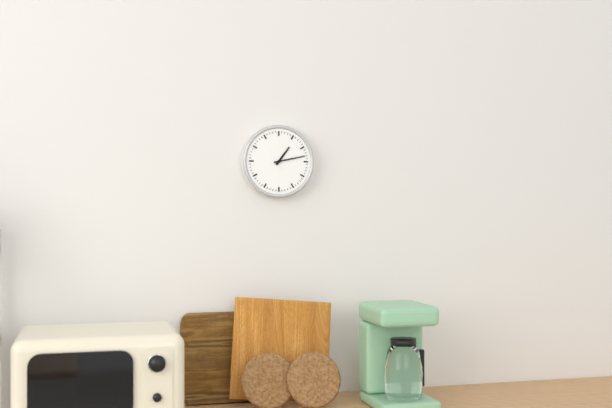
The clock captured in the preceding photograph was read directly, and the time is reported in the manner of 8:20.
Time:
1:13
